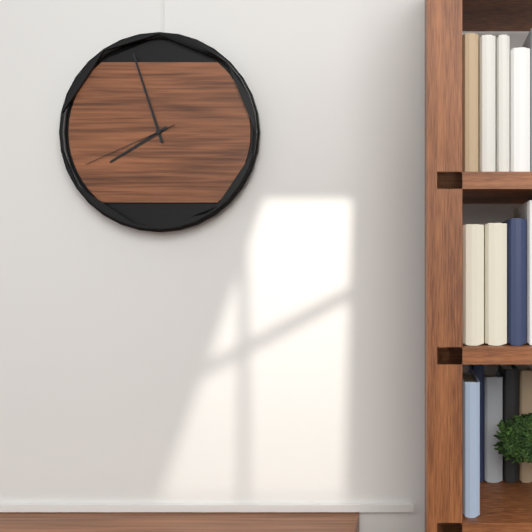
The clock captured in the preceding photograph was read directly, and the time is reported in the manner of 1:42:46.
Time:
7:57:41
